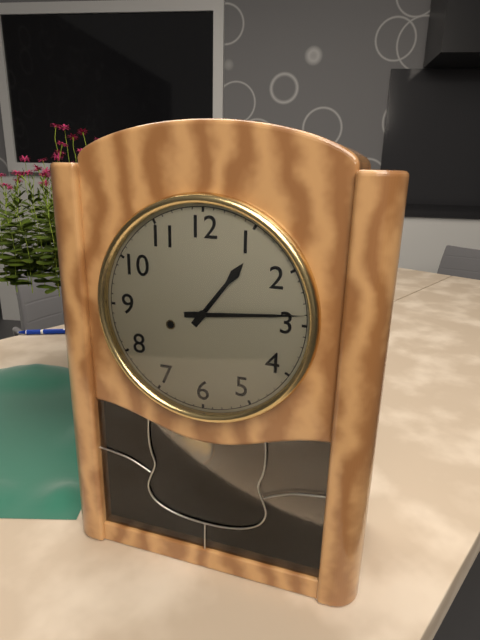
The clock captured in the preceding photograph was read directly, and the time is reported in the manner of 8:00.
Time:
1:14
